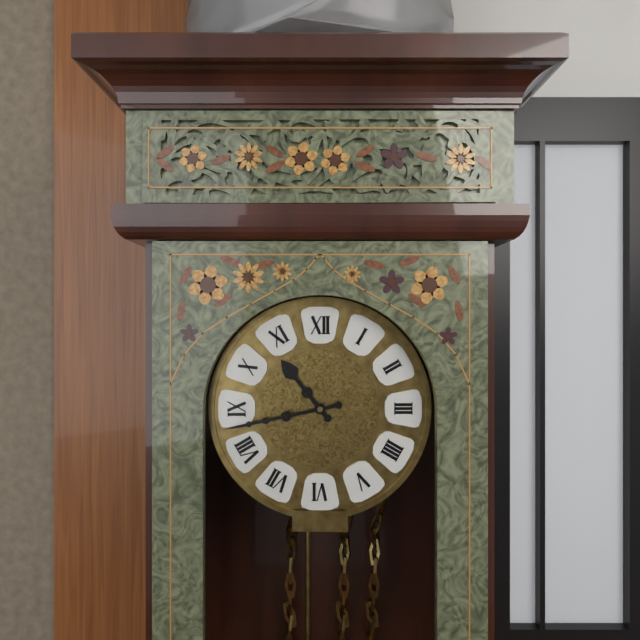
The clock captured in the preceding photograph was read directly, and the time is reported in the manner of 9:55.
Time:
10:43
